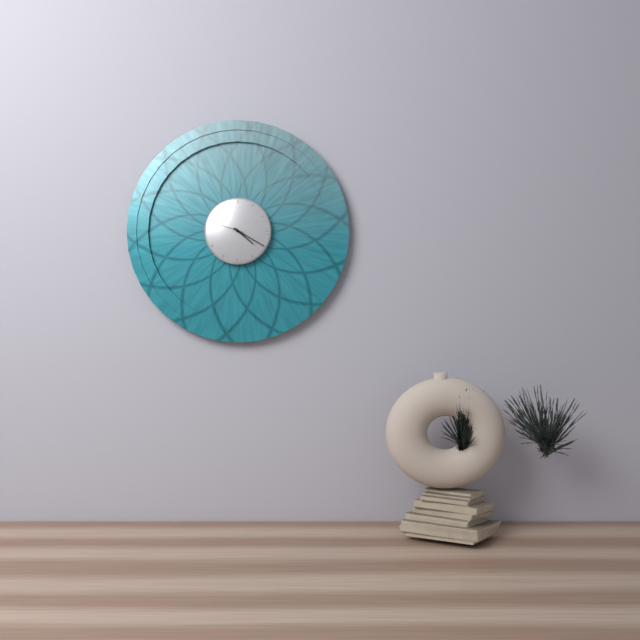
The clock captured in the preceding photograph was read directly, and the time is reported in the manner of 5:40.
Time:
4:20
